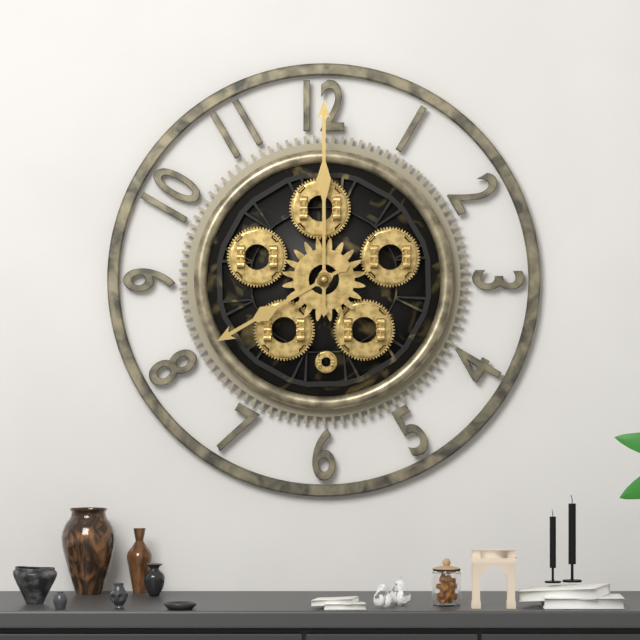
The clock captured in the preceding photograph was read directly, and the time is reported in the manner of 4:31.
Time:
8:00
